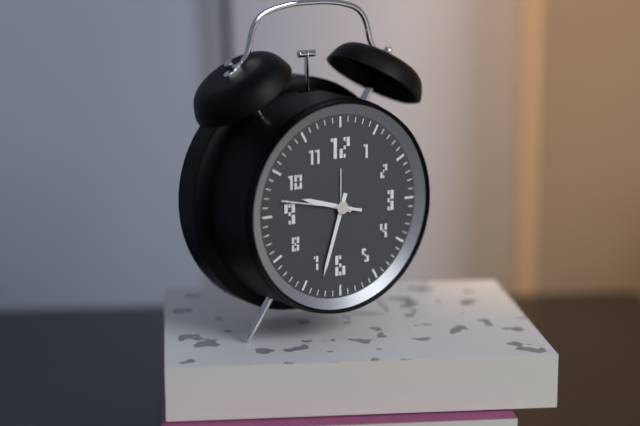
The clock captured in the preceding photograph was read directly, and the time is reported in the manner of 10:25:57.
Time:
9:33:47
